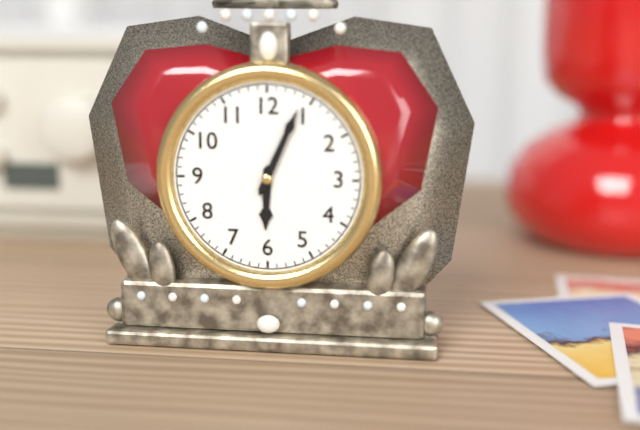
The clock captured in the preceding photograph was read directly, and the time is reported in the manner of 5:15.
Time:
6:04
